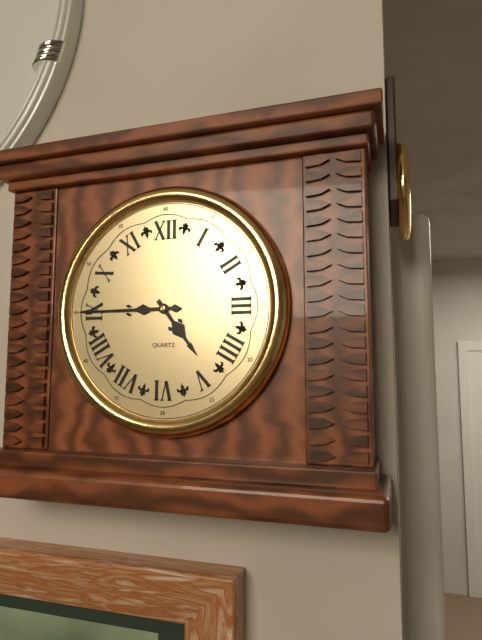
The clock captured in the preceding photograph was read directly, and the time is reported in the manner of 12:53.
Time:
4:45
